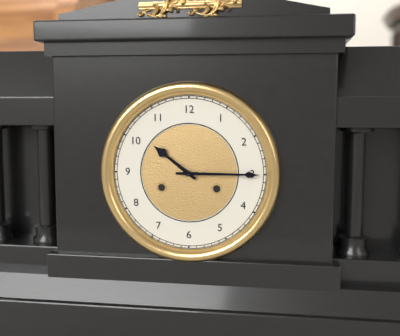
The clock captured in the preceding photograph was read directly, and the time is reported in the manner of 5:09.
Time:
10:15
